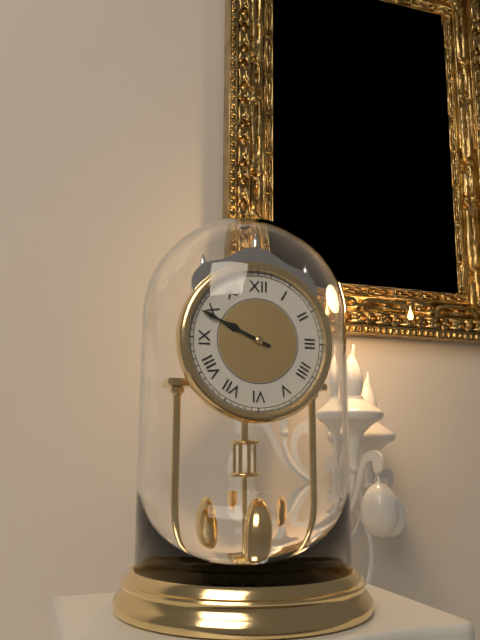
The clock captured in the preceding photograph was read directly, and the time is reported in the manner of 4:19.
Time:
9:49
